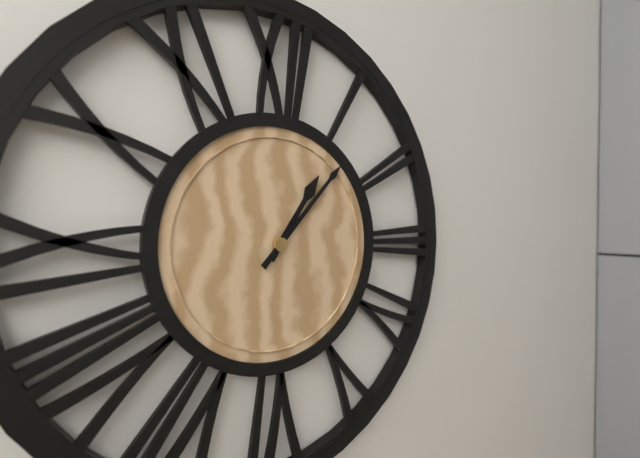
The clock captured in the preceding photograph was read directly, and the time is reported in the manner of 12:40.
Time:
1:07
